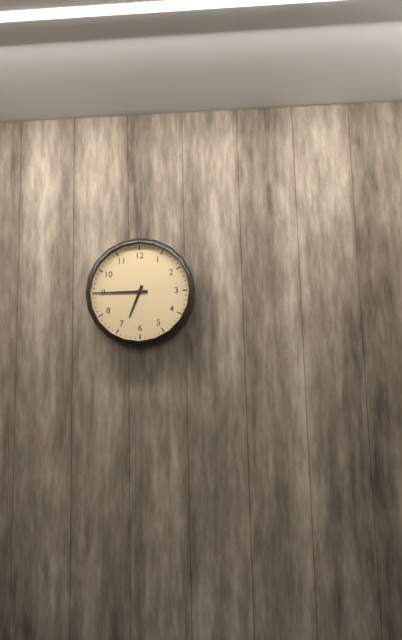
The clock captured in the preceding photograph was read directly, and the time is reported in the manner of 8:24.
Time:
6:45
